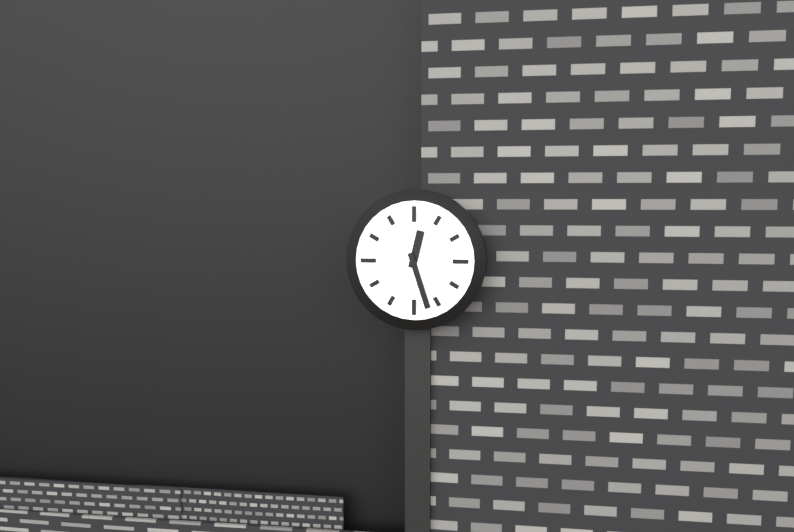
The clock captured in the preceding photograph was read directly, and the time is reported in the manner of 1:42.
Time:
12:27
